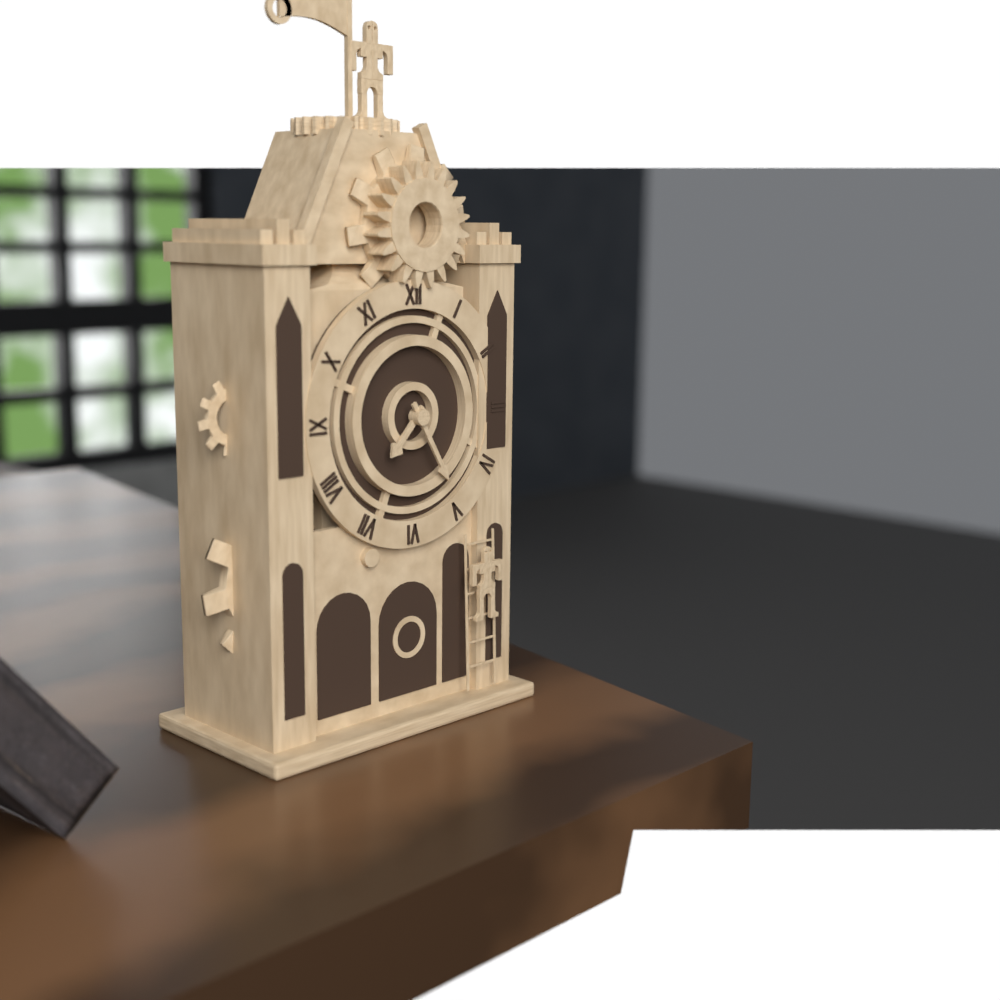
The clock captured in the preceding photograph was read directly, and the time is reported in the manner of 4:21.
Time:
7:25
